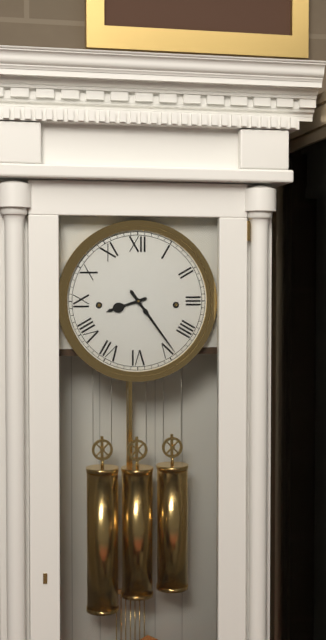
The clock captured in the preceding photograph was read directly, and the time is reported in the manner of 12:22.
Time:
8:24
